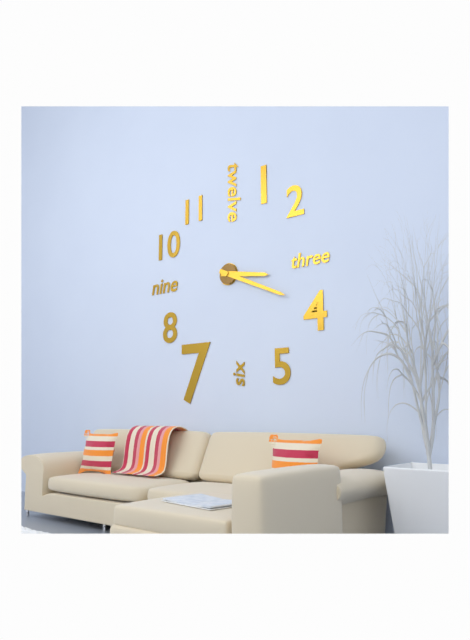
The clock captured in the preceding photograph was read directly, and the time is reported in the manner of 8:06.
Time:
3:19
